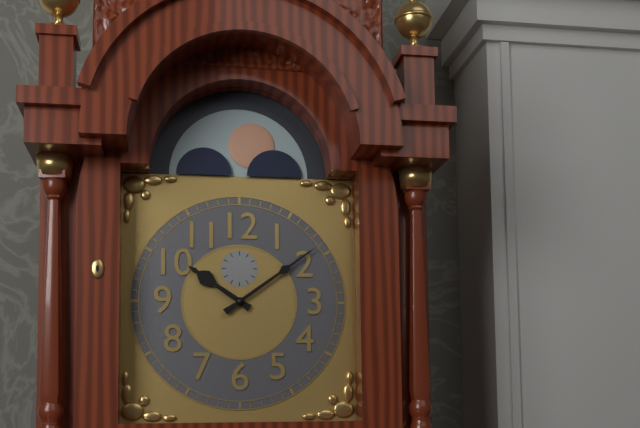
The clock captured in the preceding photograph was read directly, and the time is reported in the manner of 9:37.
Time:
10:09
